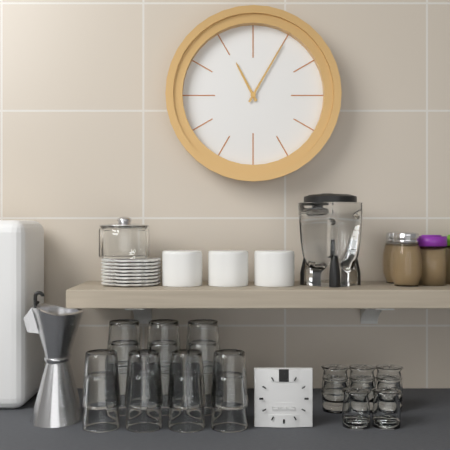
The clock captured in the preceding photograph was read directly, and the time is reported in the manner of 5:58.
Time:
11:05
